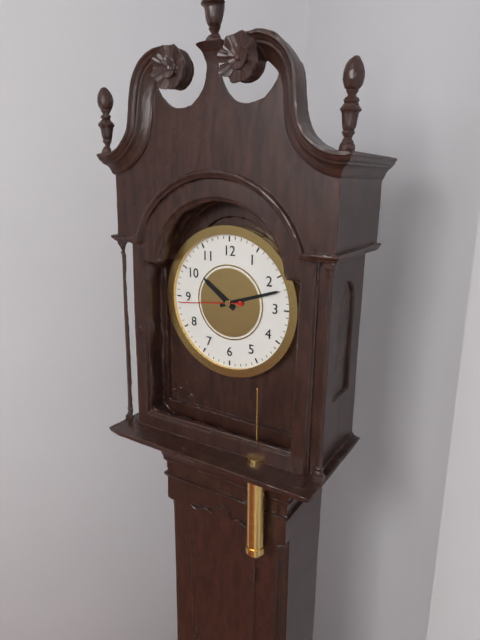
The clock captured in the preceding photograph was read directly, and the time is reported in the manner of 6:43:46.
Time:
10:12:44
